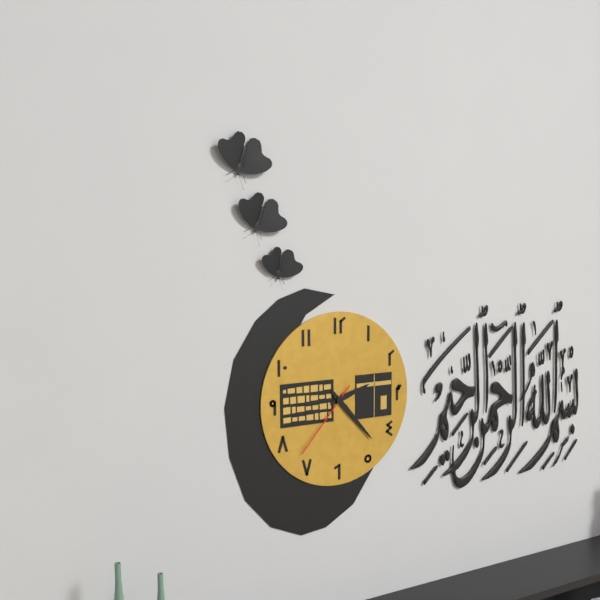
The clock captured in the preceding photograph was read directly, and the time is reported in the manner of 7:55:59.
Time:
2:23:37
